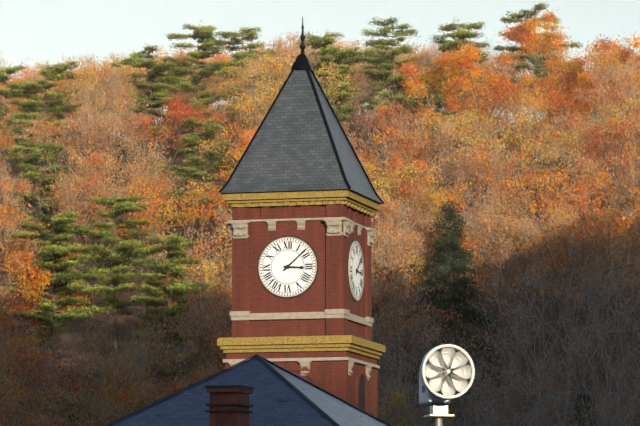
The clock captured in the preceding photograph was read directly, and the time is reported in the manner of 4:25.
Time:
3:08
